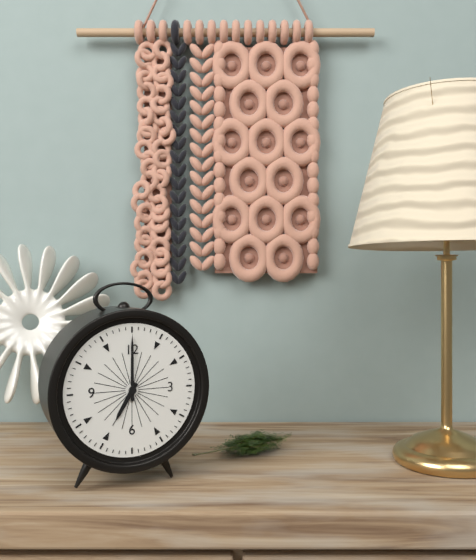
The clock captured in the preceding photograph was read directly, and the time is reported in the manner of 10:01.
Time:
7:00
